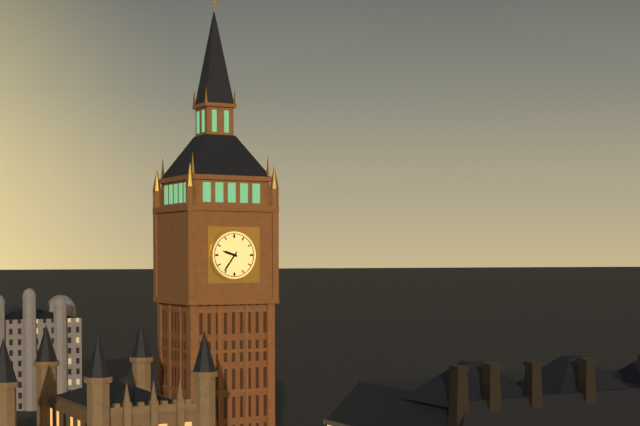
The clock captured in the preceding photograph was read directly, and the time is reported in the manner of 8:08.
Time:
9:36
